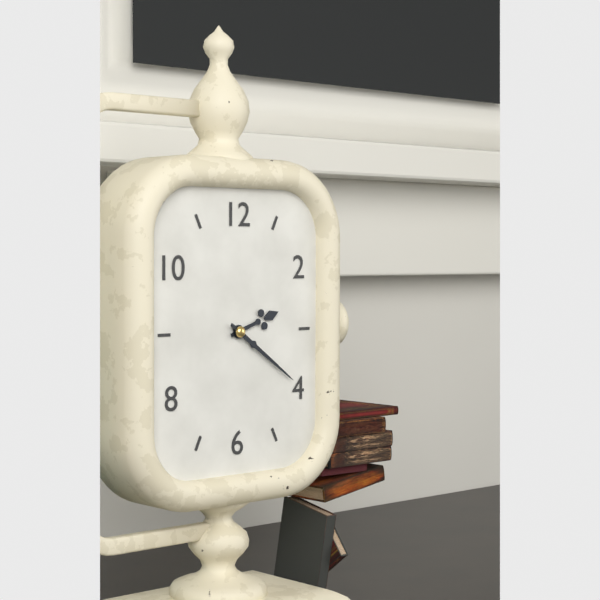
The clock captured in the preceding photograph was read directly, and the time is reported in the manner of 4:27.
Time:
2:21
